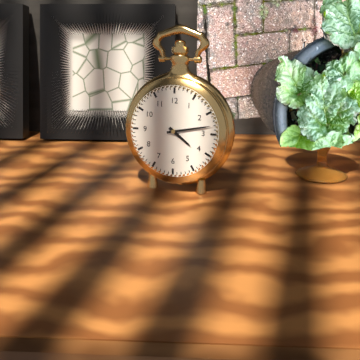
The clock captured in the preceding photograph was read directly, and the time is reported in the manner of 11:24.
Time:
4:13
